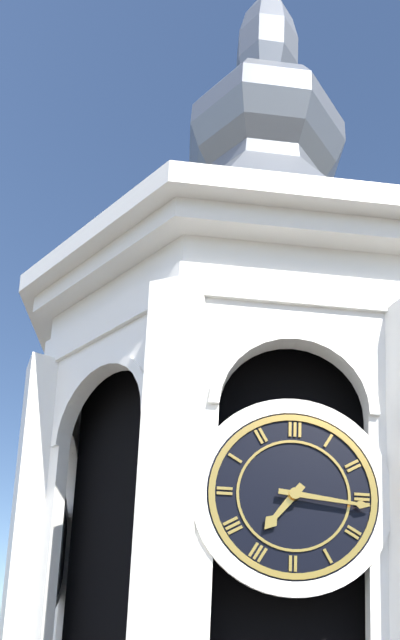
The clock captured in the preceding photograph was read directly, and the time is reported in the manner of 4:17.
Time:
7:16
